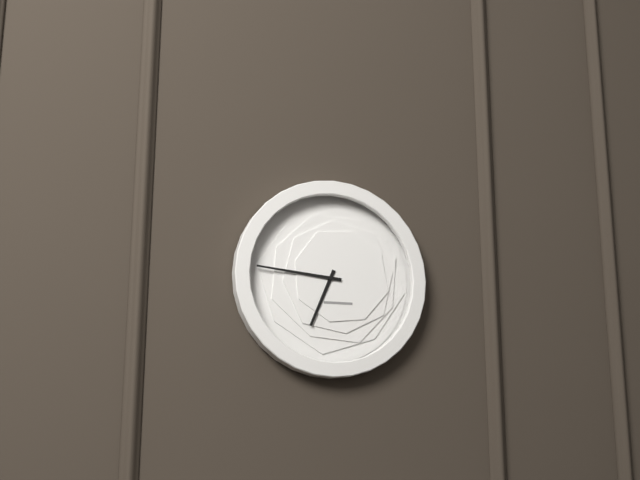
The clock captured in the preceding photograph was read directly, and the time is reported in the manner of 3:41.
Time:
6:46
